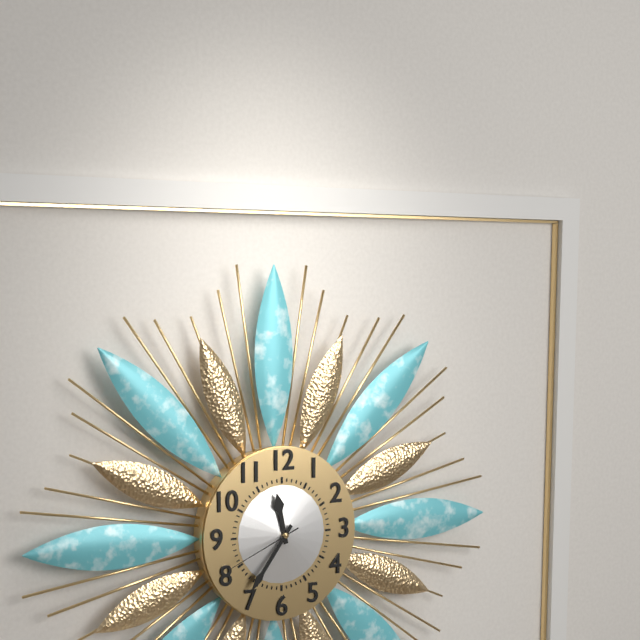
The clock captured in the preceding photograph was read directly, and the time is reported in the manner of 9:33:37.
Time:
11:36:41
